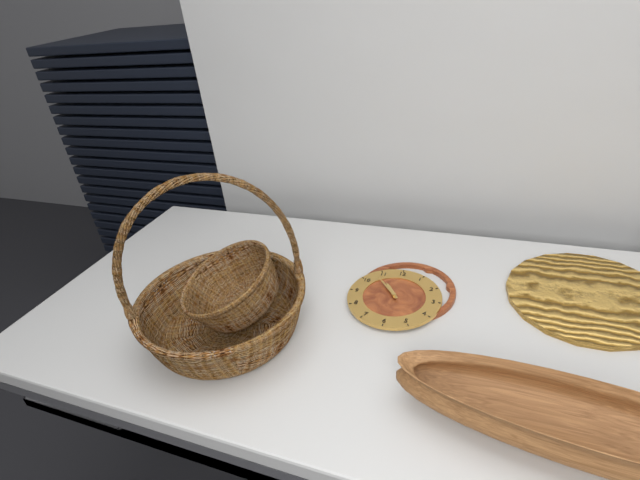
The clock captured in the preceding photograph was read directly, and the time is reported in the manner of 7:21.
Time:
10:53
